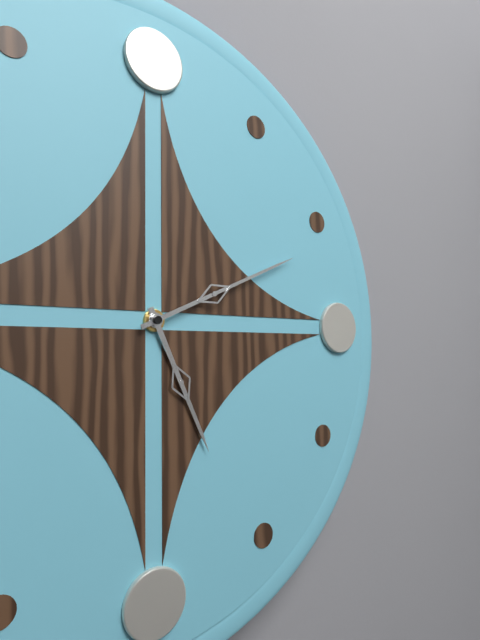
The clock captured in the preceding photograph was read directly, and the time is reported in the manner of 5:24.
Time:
5:11
